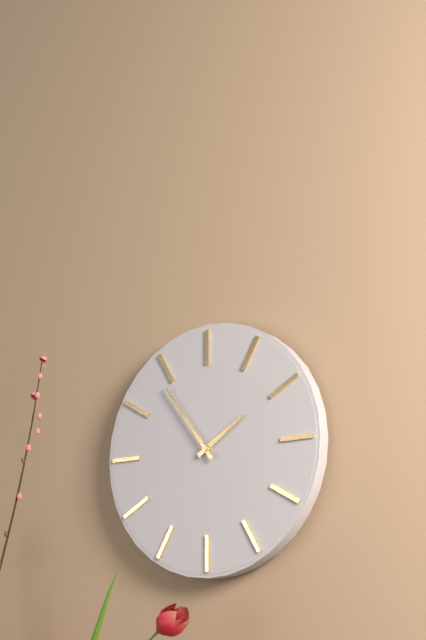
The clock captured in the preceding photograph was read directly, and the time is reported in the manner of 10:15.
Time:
1:54
